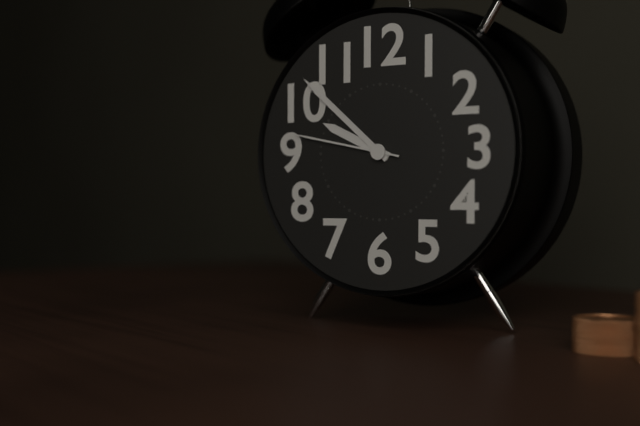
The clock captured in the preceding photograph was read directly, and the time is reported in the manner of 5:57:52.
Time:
9:52:47
